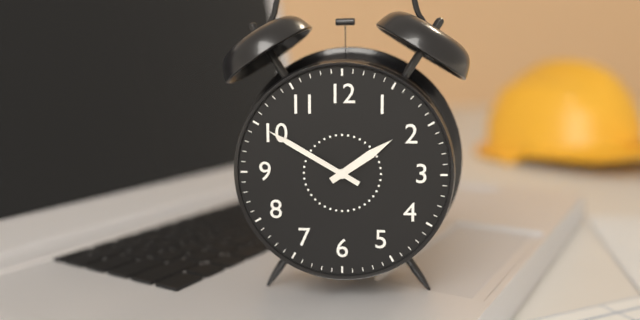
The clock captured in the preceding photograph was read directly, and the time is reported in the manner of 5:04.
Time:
1:50
